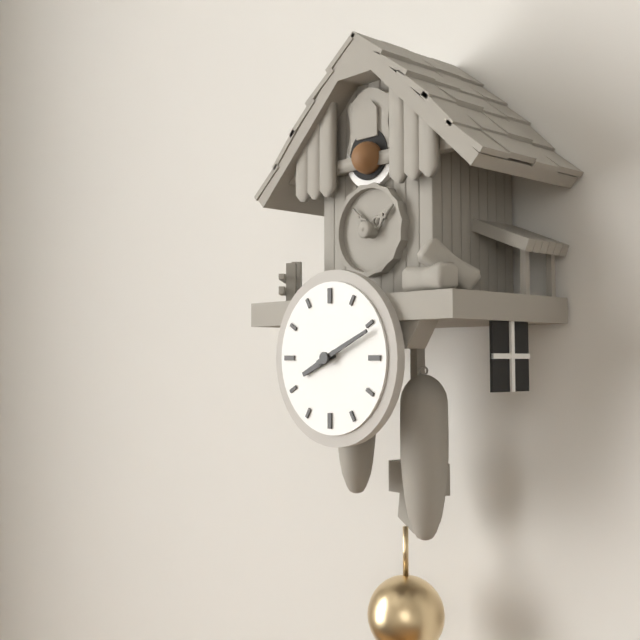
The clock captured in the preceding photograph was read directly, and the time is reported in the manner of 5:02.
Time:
8:11
